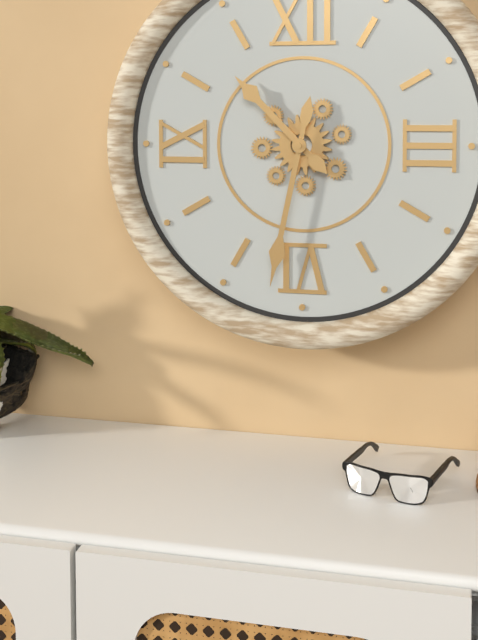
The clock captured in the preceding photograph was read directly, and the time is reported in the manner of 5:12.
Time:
10:32
